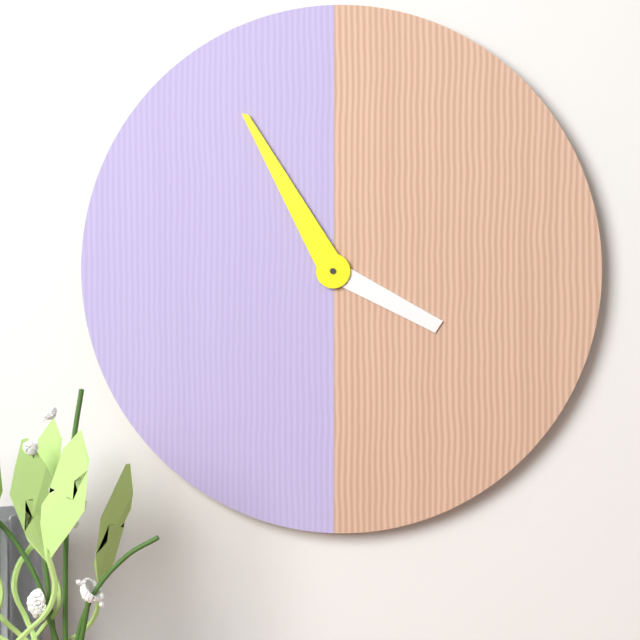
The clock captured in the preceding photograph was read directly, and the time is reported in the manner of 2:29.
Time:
3:55
